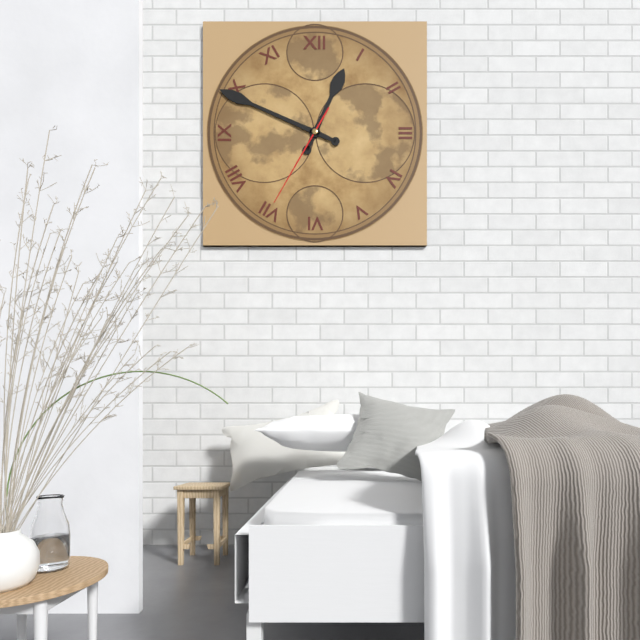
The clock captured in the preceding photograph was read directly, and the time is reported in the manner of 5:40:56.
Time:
12:49:35
